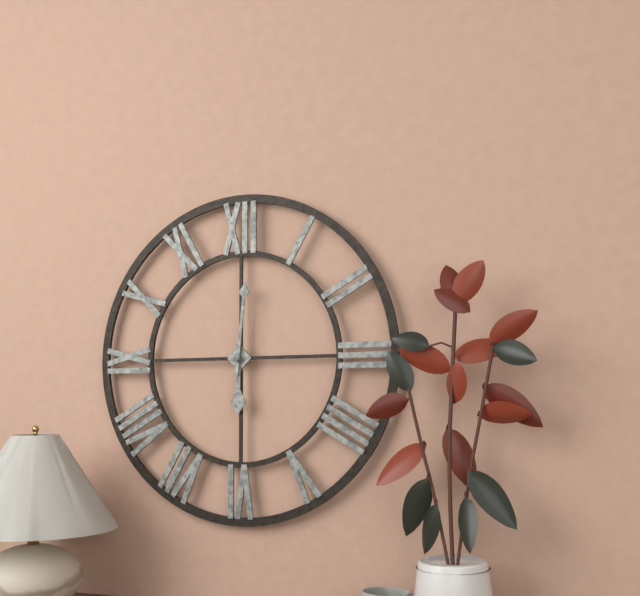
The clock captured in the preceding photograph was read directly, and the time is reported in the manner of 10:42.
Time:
6:01
